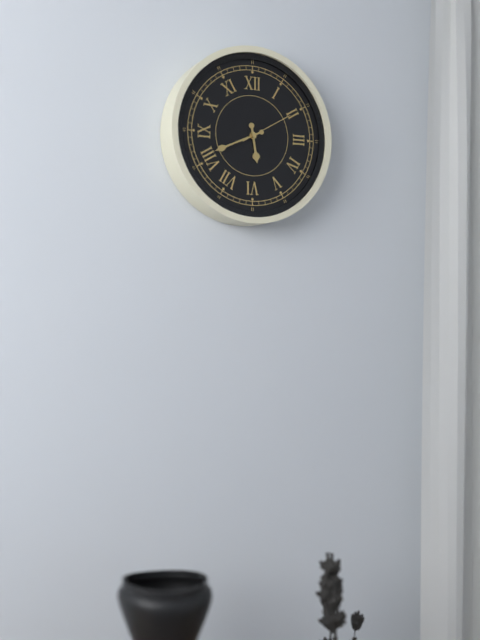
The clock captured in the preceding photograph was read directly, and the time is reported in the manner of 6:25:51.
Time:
5:41:10
